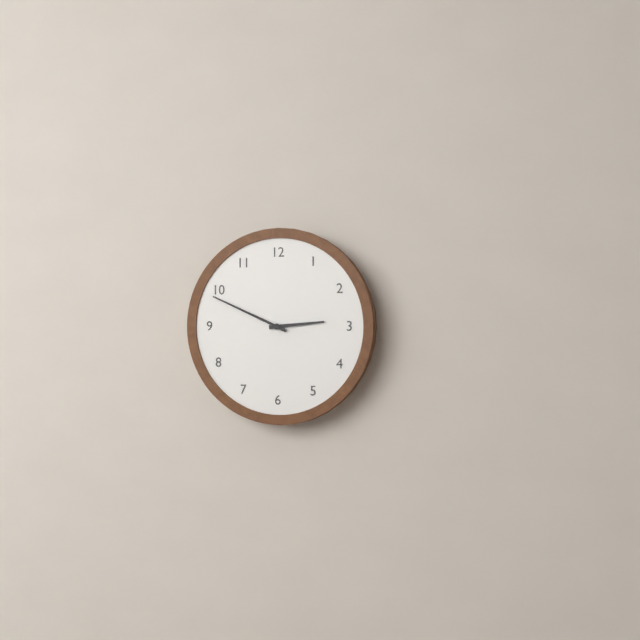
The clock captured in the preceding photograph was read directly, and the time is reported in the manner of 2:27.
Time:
2:49
